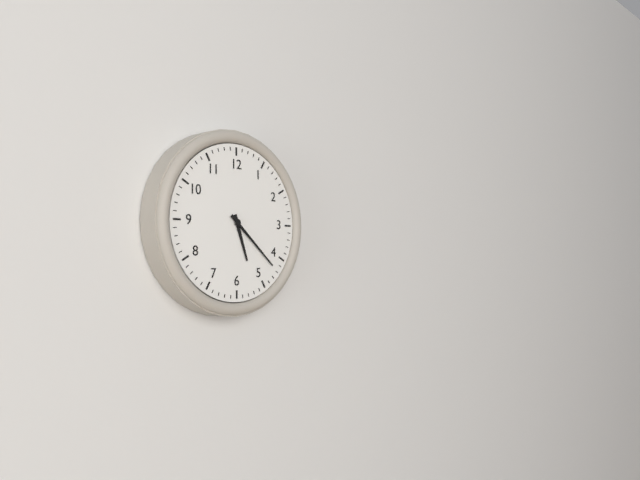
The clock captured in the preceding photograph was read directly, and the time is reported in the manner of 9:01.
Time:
5:22
